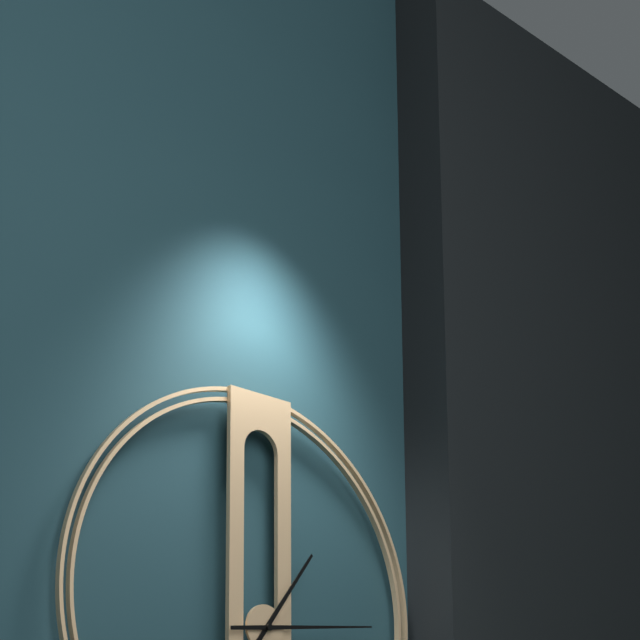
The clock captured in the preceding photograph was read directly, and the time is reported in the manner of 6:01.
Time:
1:14
